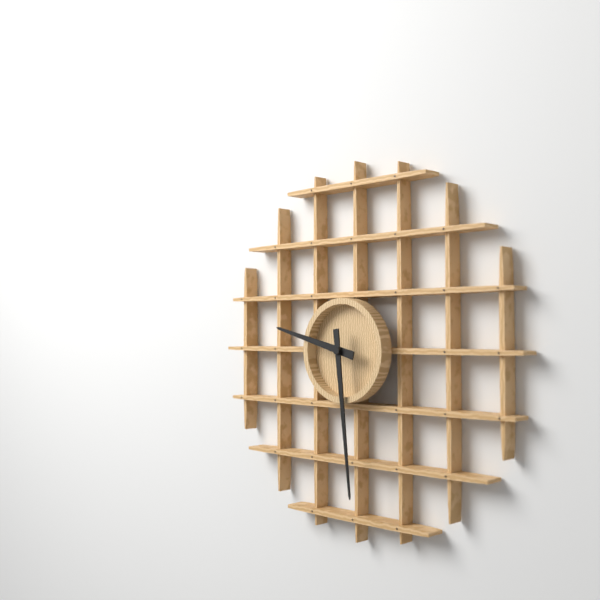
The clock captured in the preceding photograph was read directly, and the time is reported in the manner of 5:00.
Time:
9:29
